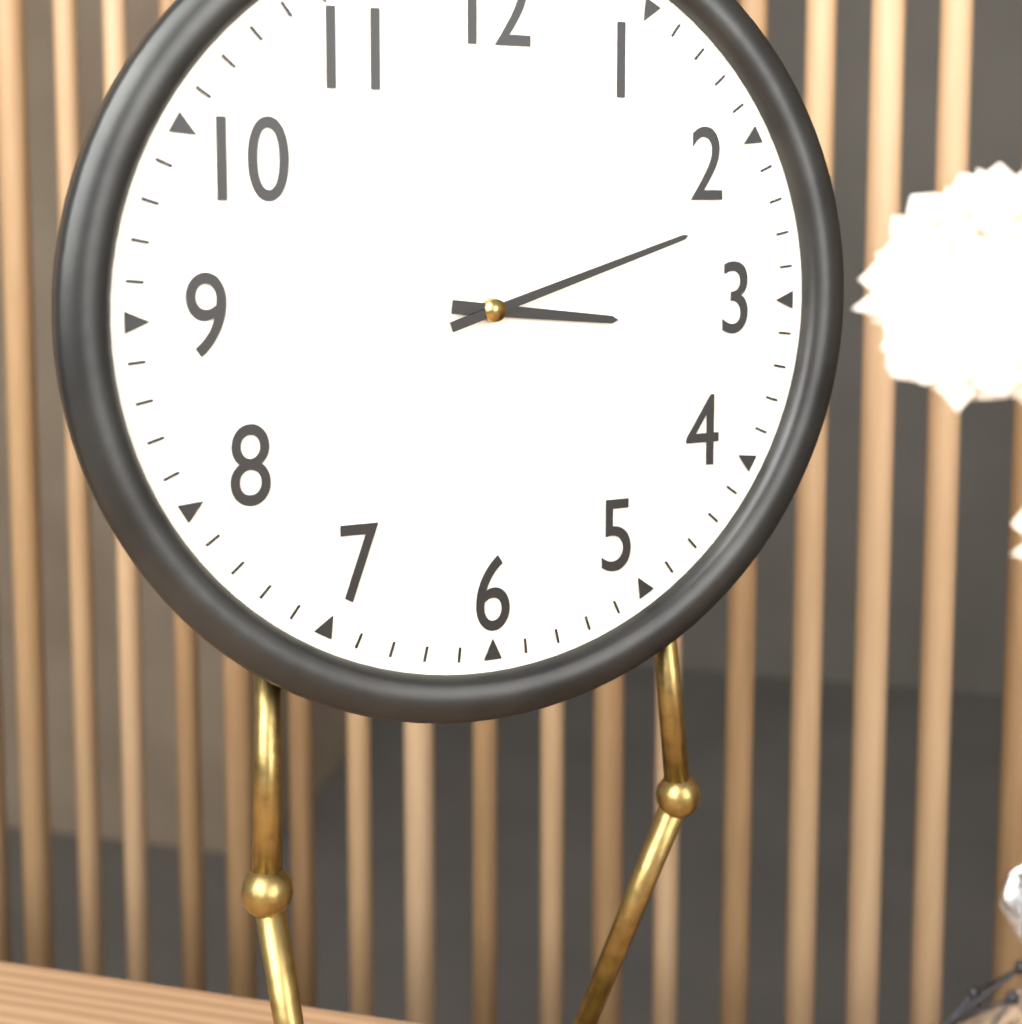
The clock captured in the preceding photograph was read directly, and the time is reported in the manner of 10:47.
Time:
3:12
